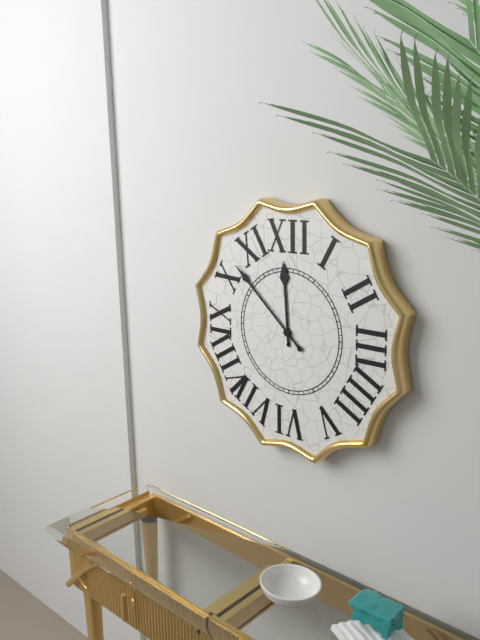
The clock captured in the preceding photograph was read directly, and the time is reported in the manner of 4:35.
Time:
11:52
